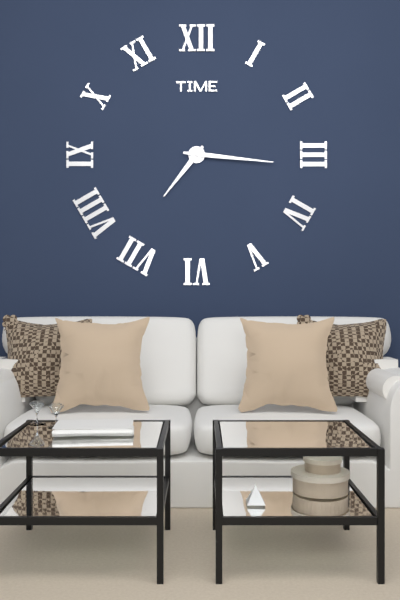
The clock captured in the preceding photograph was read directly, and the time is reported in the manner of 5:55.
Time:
7:16
